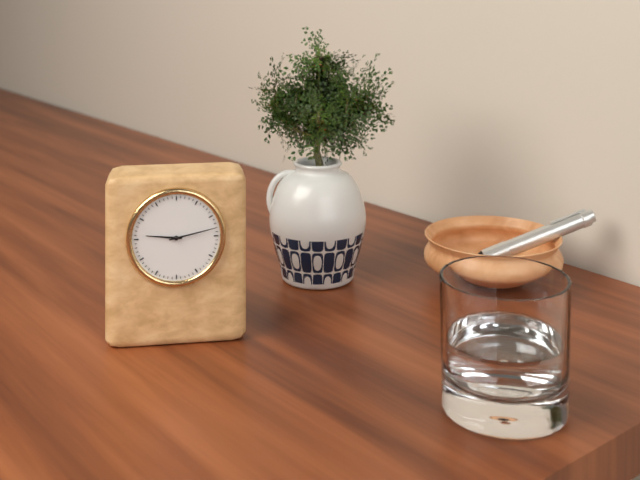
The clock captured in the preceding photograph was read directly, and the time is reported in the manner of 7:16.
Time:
9:13
